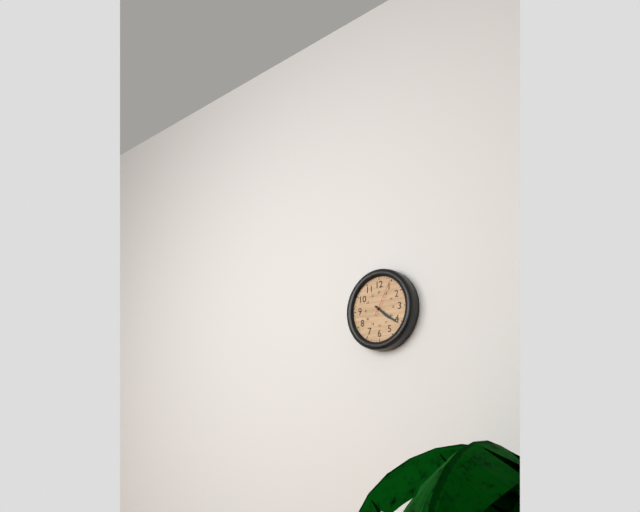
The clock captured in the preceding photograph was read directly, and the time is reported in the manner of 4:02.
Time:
4:21
